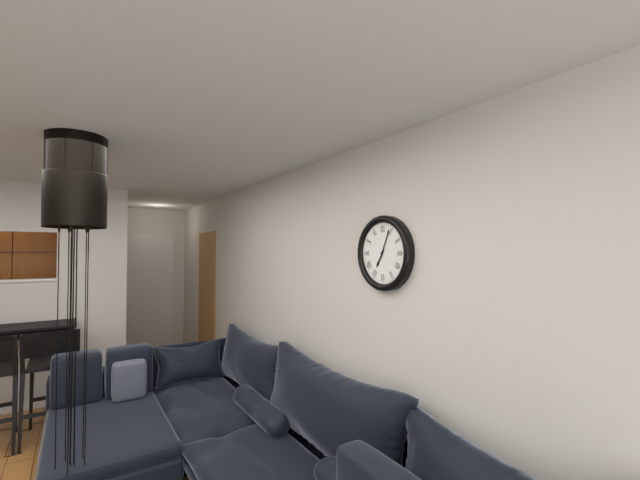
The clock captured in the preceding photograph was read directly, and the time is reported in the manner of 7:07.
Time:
7:04
